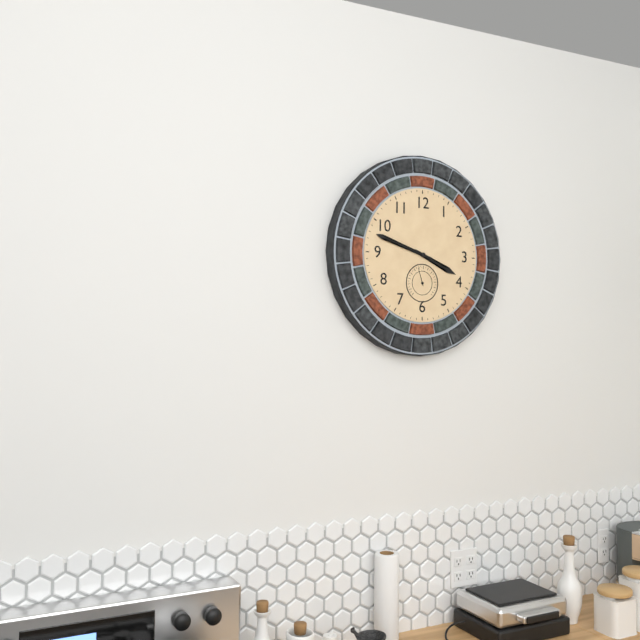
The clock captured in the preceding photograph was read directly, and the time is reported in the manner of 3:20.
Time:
3:48
